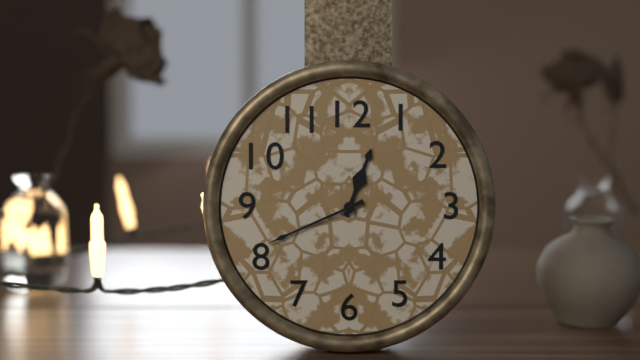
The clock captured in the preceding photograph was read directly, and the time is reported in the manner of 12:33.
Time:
12:41
